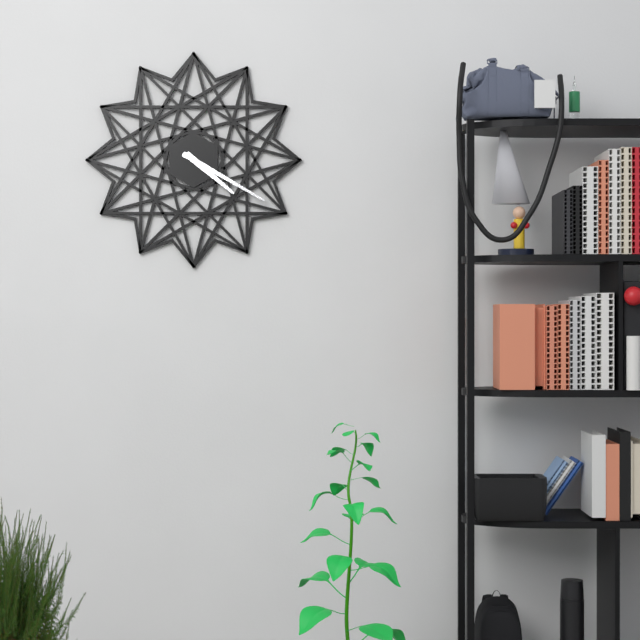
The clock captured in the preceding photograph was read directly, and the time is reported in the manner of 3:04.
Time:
4:20
